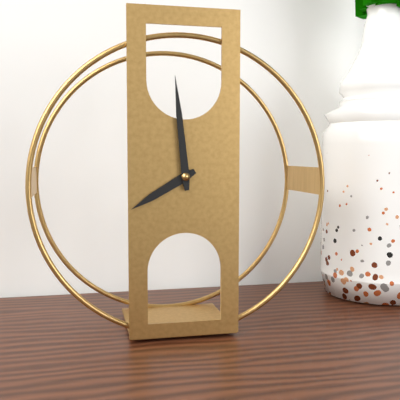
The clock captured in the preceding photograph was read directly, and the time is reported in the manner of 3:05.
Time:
7:59
